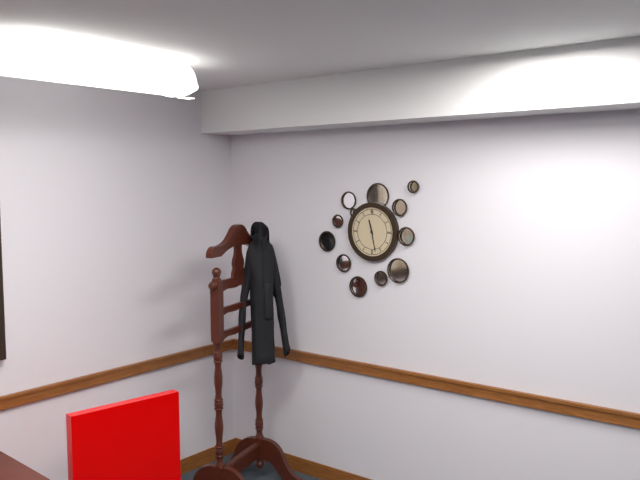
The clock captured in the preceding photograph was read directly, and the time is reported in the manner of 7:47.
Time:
11:28
